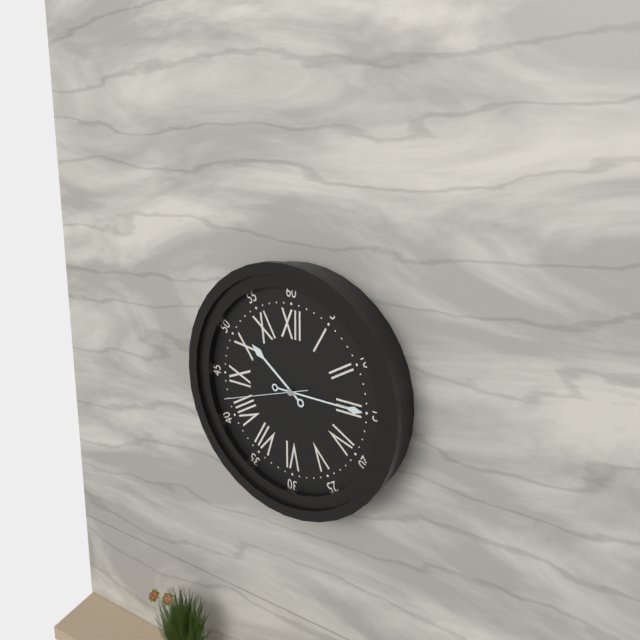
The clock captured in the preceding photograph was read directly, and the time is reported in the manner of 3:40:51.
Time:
10:15:42
